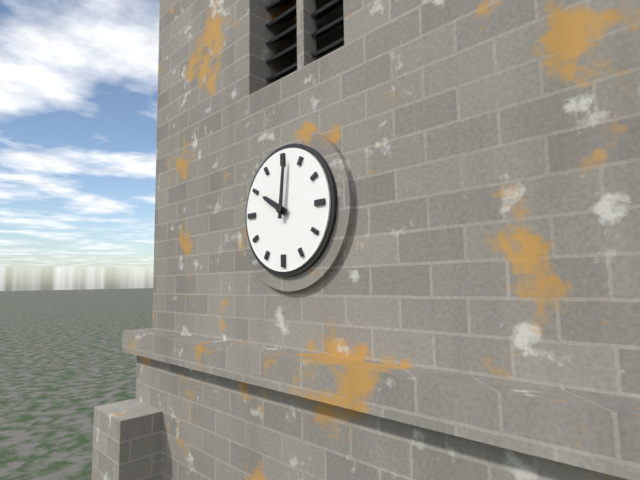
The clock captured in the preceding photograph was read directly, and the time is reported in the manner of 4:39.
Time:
10:01
